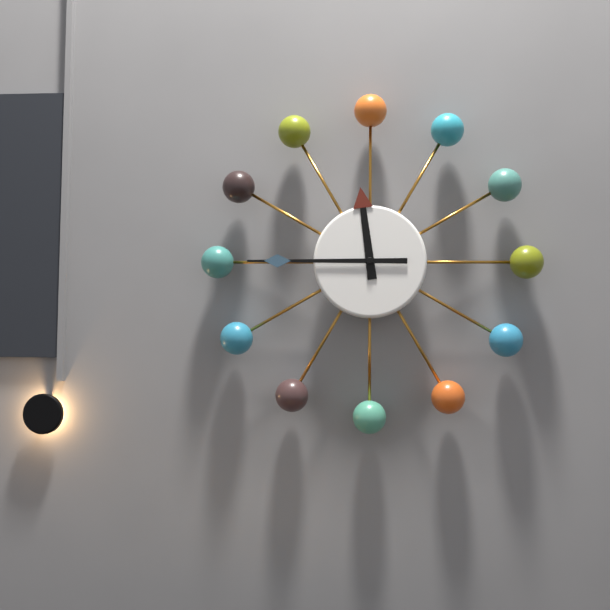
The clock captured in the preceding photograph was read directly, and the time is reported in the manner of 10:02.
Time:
11:45
